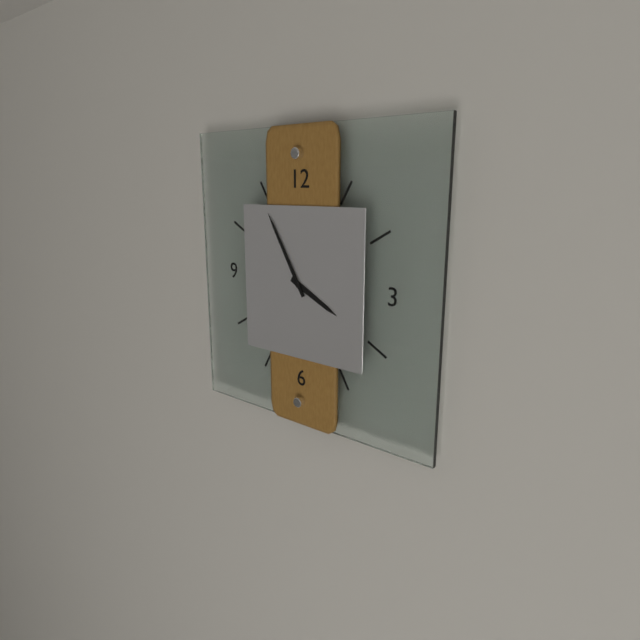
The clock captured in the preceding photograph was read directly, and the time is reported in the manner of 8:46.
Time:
3:55
